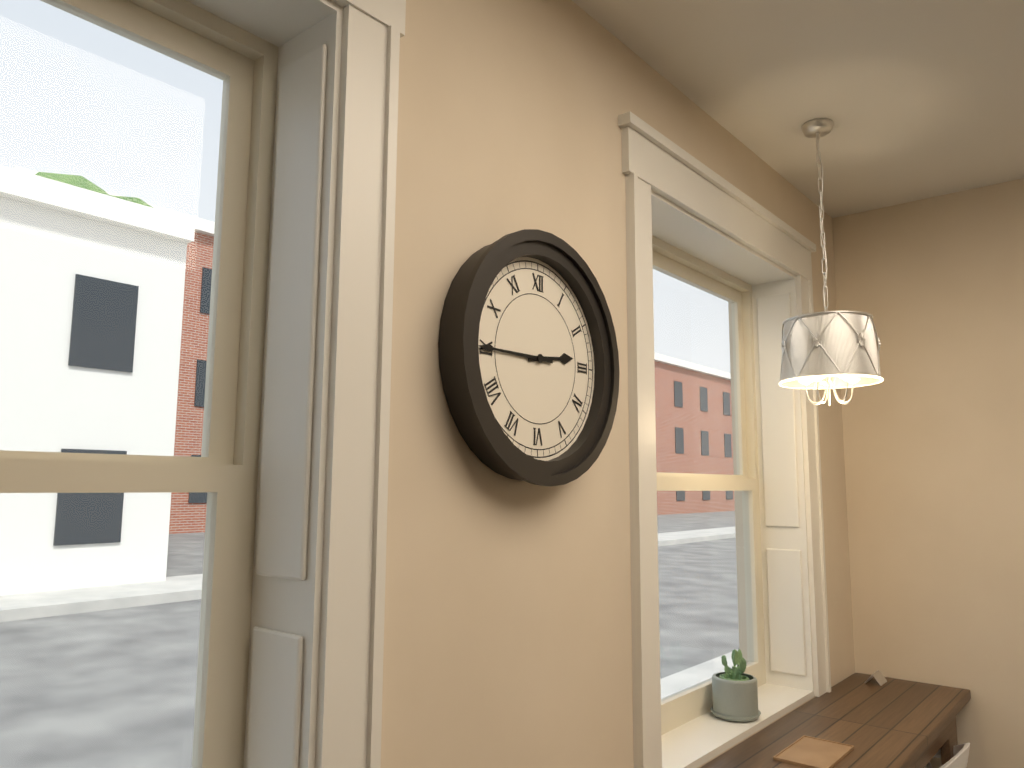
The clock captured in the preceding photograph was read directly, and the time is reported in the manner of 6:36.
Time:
2:45
